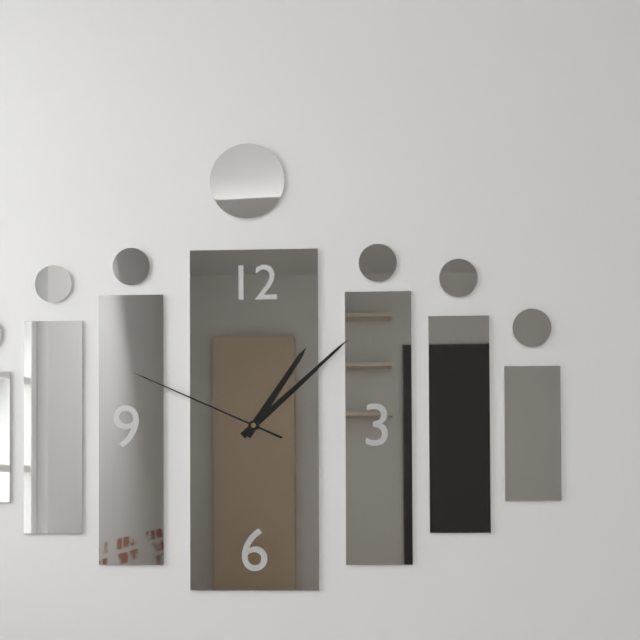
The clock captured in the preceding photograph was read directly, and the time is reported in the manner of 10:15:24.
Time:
1:08:49
